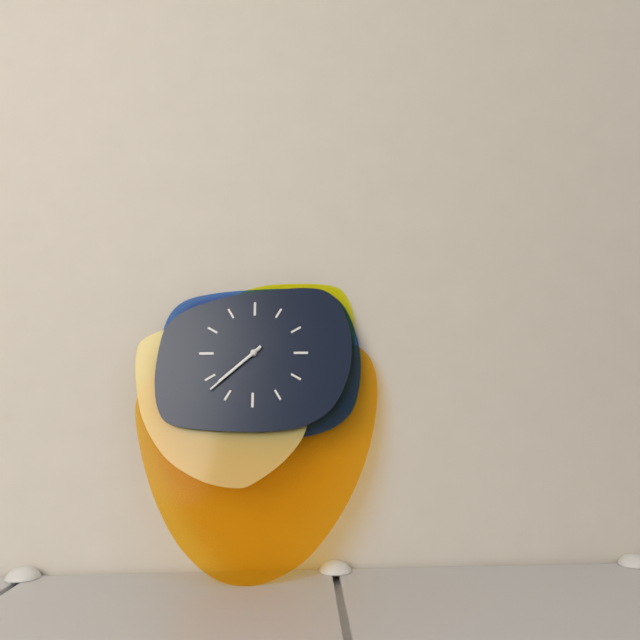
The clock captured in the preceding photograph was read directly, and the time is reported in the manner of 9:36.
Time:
7:38
